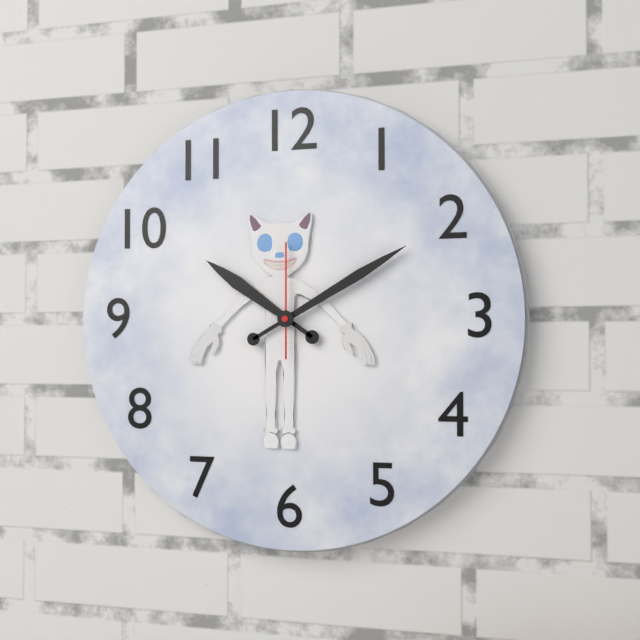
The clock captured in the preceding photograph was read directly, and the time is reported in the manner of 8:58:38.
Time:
10:10:00
